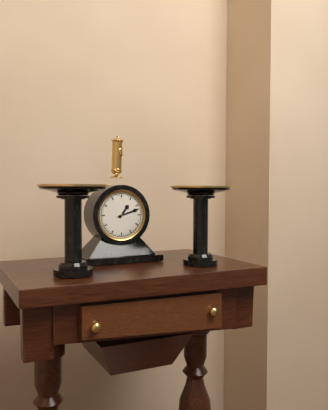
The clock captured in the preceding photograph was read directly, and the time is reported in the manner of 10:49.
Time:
1:12
